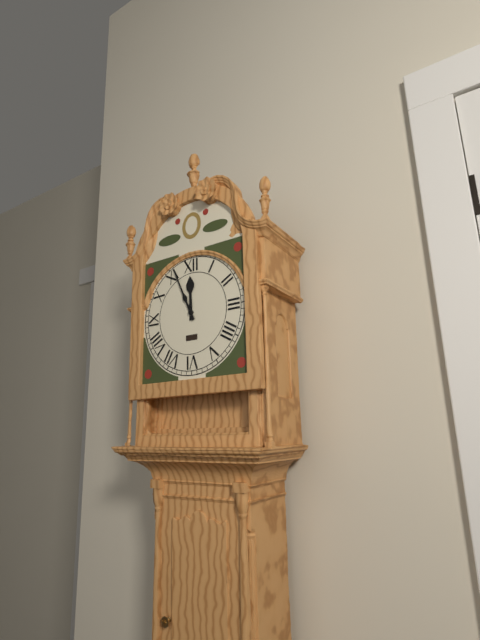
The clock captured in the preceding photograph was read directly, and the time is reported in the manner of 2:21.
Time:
11:56
